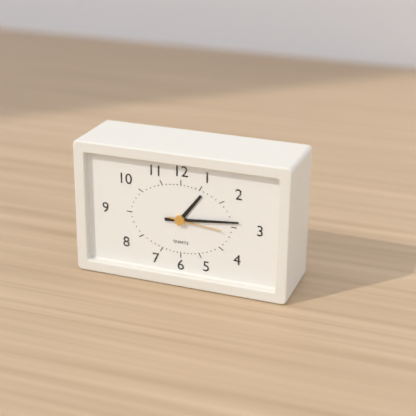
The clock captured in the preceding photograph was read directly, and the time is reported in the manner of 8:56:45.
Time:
1:14:16
